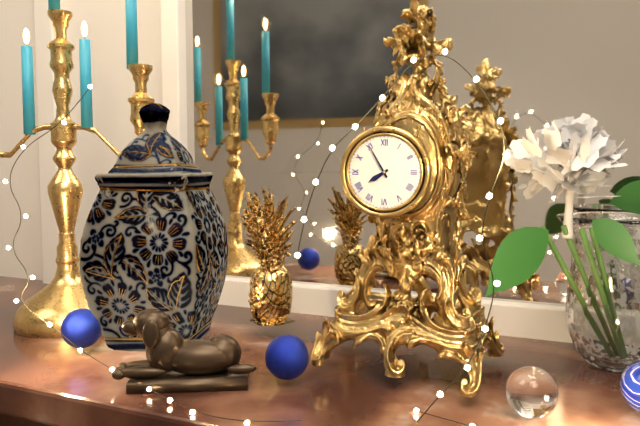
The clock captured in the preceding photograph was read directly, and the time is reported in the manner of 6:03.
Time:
7:55
